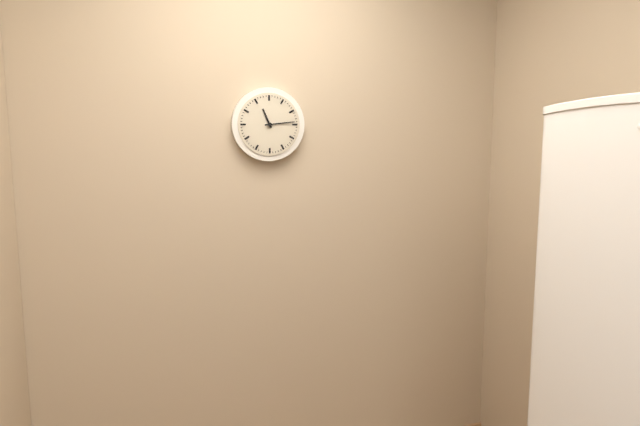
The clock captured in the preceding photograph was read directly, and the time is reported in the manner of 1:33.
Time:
11:14
